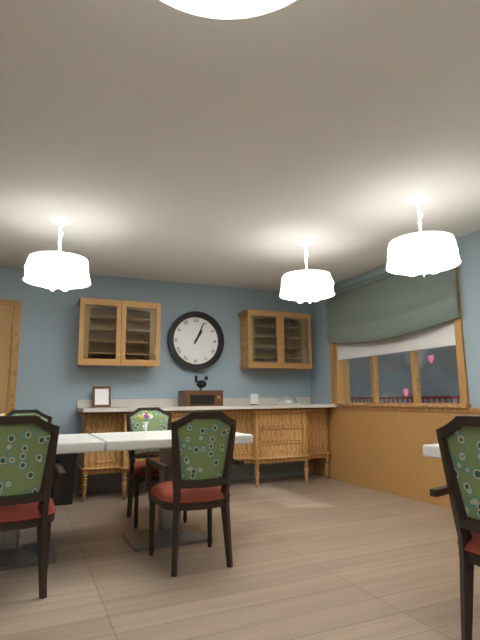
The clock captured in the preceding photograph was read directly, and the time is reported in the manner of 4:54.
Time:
1:04
